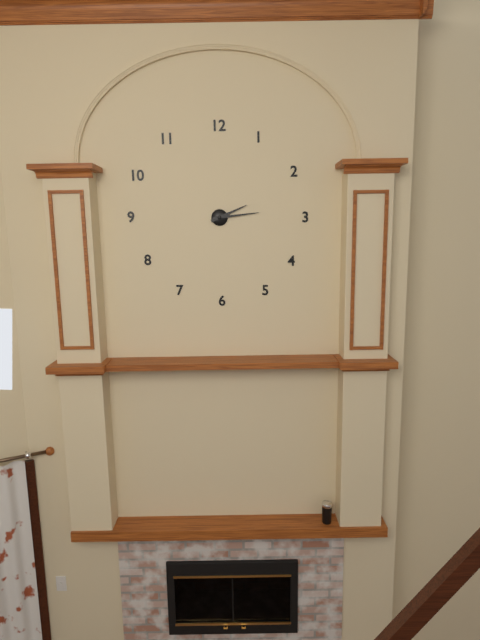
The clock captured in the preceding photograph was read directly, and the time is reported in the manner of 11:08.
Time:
2:14
